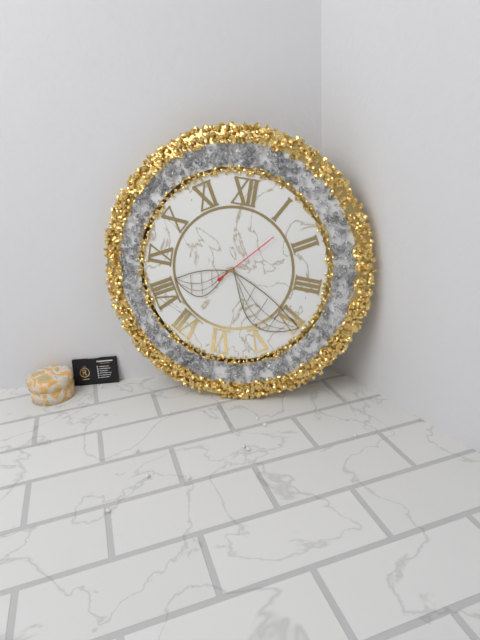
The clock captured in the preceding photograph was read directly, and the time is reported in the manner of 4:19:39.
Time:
8:20:07
